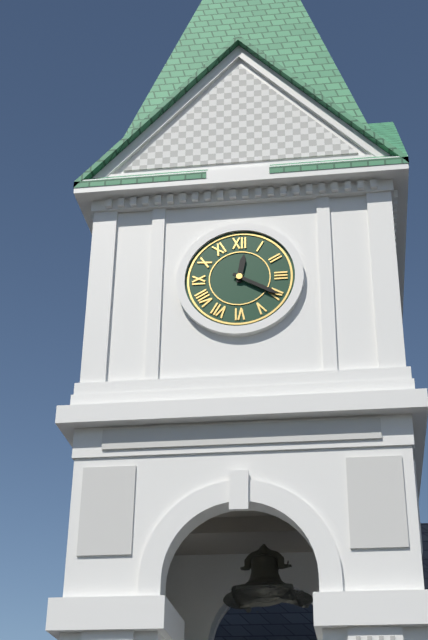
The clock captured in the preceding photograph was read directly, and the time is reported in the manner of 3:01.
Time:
12:20
